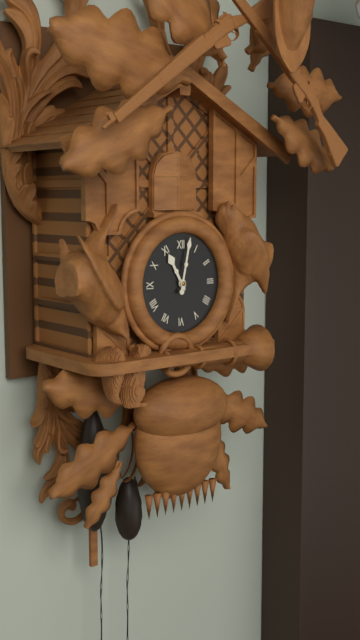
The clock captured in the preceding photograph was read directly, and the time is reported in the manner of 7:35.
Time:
11:02
